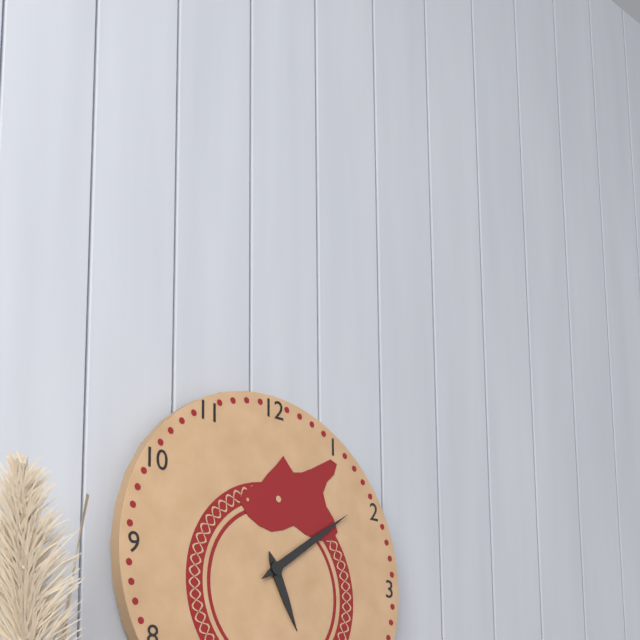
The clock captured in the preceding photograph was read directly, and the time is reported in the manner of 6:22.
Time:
5:09
